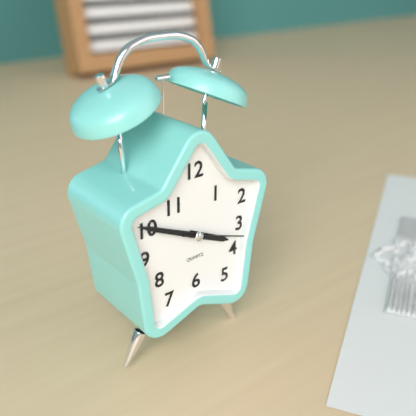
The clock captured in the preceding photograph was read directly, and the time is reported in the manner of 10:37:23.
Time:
3:49:18
